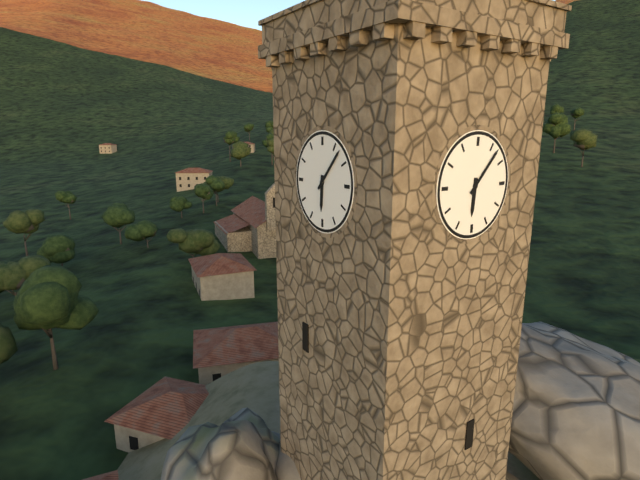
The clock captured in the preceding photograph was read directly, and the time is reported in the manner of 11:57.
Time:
6:07
